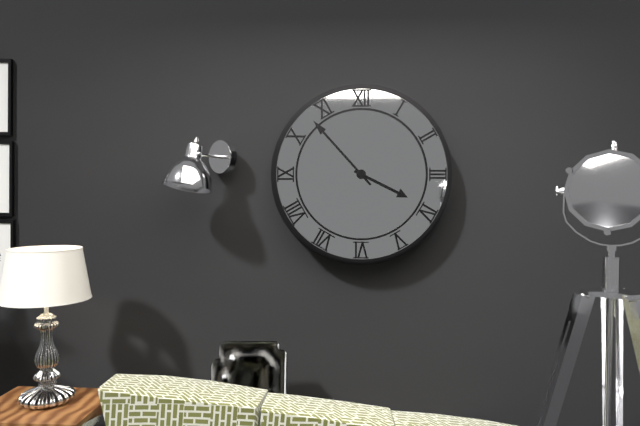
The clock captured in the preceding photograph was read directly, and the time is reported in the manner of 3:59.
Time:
3:53
